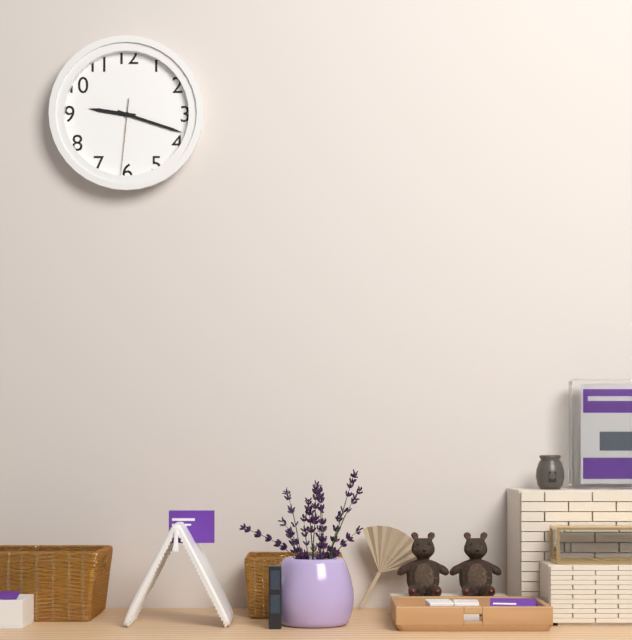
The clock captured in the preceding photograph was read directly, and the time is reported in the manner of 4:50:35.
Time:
9:18:31
